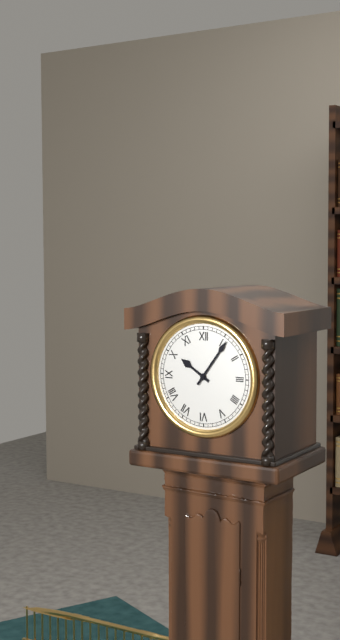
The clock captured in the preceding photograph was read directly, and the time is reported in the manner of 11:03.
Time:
10:06
